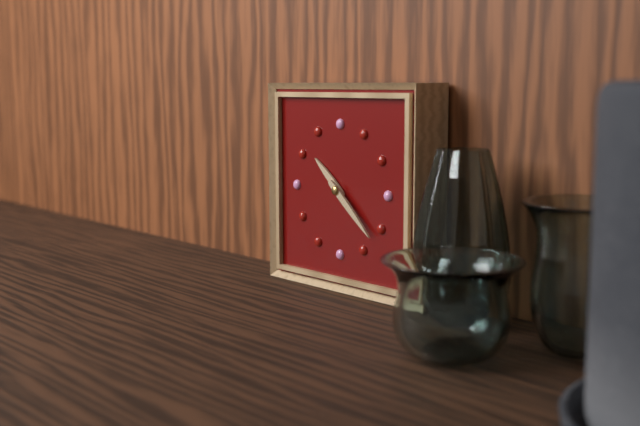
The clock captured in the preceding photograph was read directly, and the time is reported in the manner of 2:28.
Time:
10:22
